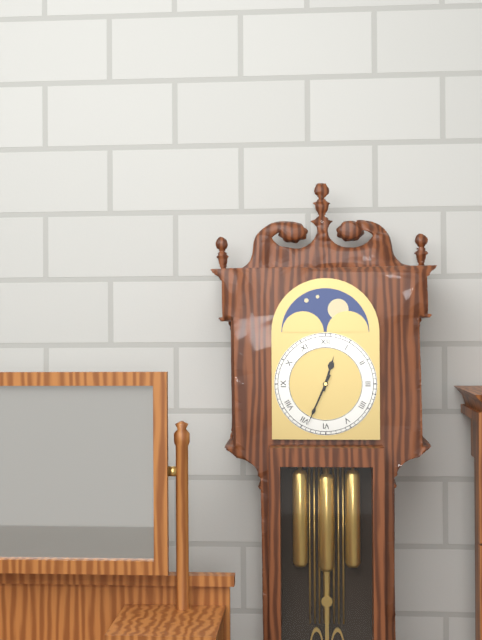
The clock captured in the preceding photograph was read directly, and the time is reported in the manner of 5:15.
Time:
12:34
